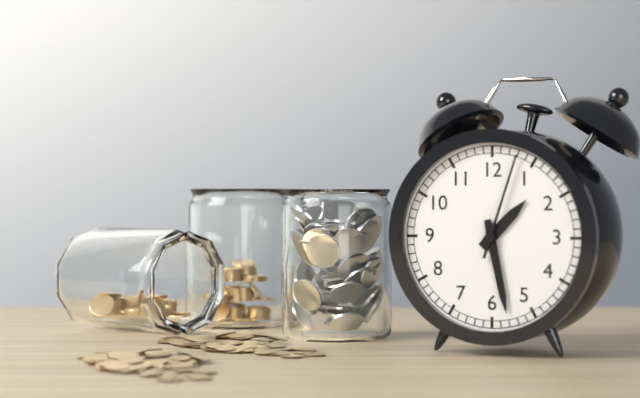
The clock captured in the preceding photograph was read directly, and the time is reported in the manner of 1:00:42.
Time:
1:28:03
